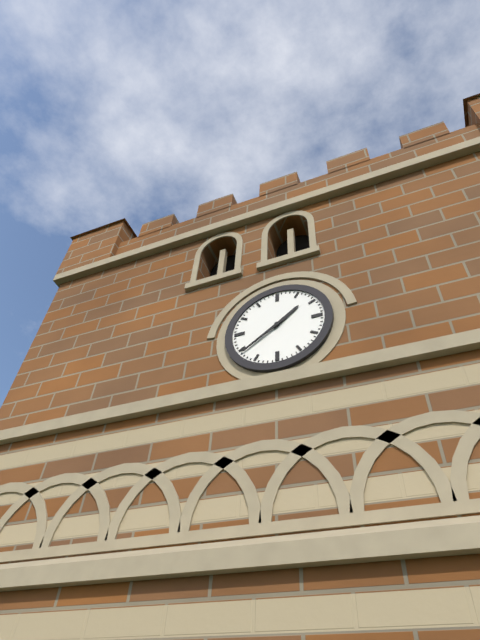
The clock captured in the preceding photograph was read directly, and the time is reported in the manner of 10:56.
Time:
1:39
